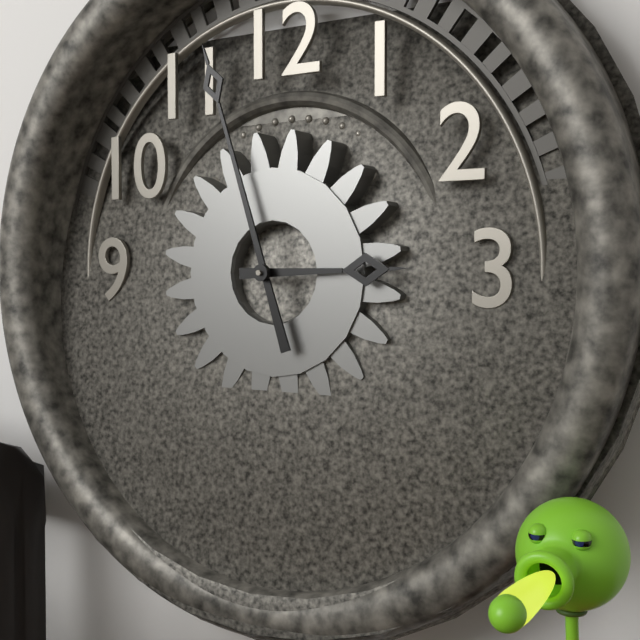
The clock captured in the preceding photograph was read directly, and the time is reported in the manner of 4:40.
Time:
2:57
